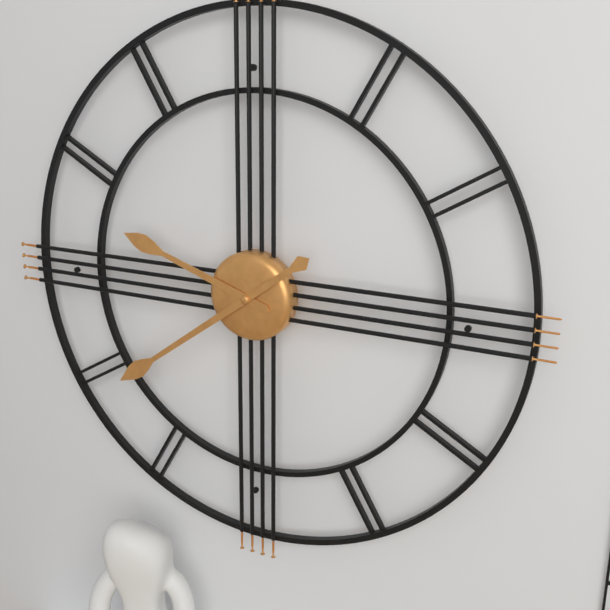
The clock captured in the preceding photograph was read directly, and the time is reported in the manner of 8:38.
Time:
9:39
